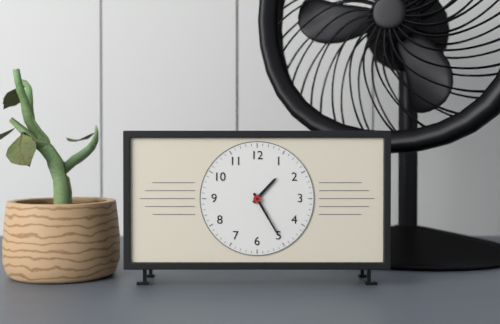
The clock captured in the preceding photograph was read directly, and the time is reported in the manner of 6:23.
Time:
1:25
